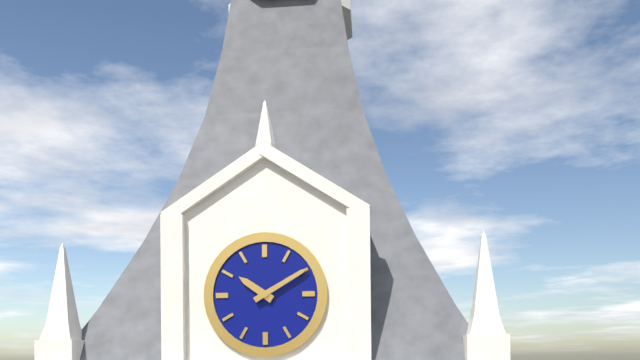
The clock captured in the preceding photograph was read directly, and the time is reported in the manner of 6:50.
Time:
10:10
